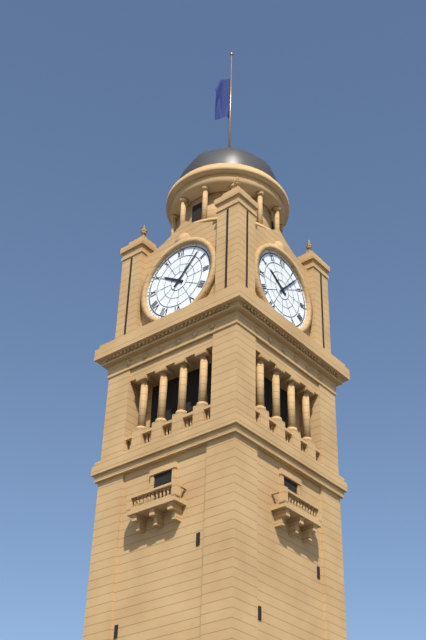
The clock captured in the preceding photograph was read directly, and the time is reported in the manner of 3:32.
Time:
10:07
